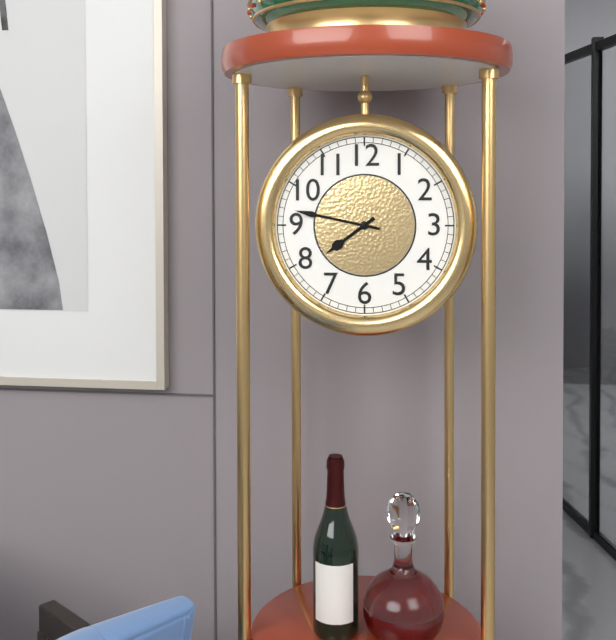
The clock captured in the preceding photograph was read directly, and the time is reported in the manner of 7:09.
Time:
7:47
